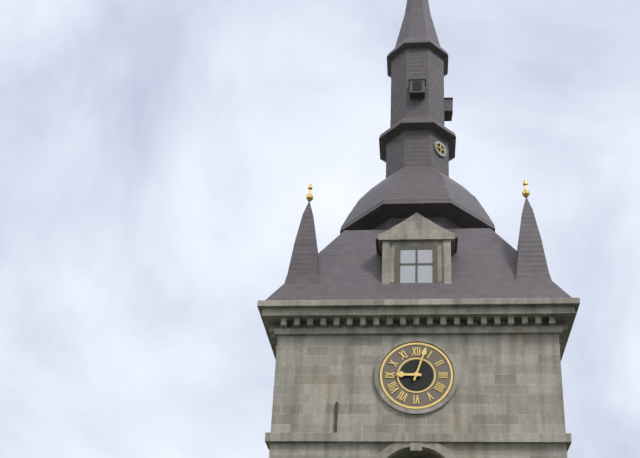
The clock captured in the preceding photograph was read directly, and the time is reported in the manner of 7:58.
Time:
9:03
